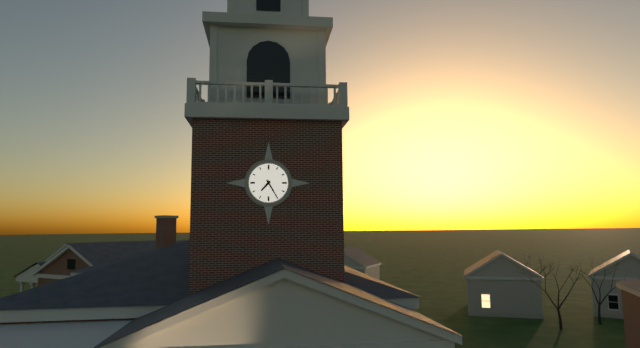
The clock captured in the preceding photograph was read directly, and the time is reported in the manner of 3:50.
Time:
7:25
